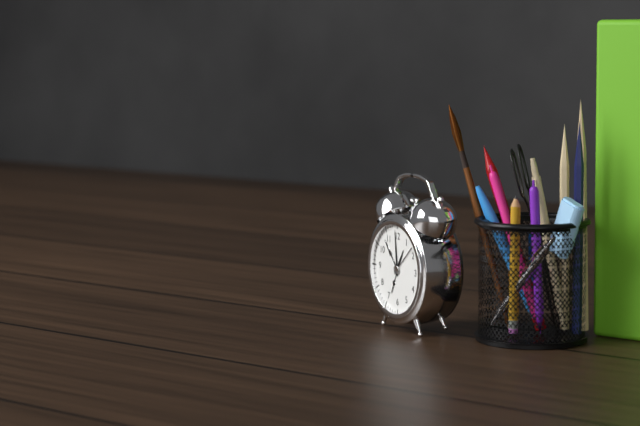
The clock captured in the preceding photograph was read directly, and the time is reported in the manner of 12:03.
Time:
12:59
